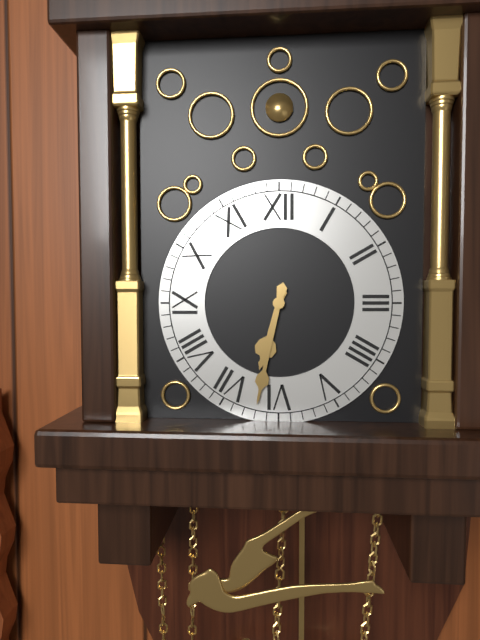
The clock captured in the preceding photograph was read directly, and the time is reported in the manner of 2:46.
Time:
6:32
